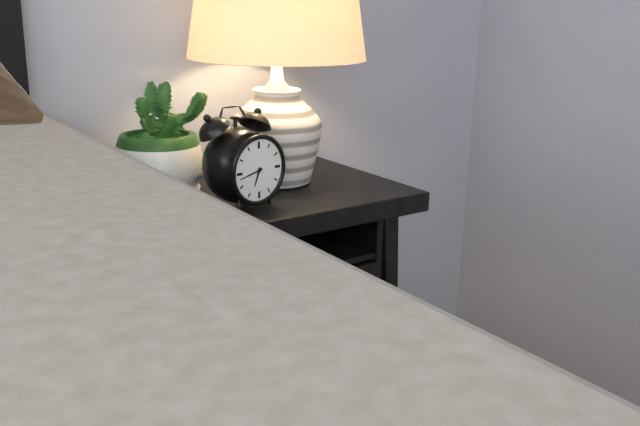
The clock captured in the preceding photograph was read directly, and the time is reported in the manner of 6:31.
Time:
6:43
